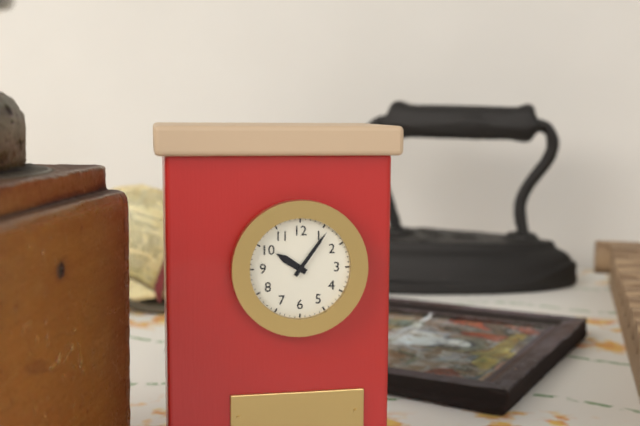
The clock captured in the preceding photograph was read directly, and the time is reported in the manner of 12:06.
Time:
10:06
